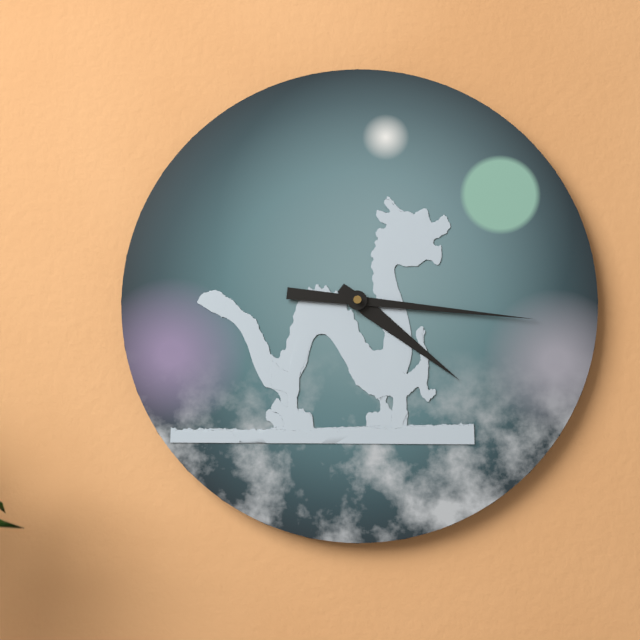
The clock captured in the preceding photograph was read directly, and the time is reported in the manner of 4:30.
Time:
4:16
